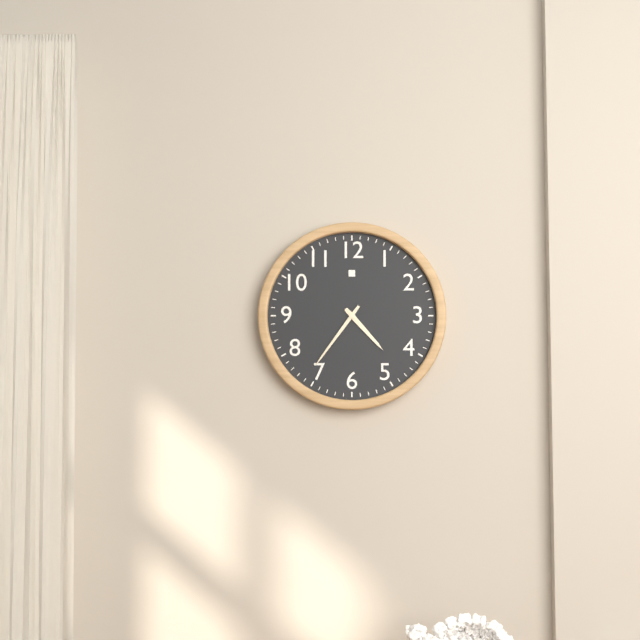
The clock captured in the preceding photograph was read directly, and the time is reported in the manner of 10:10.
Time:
4:36
